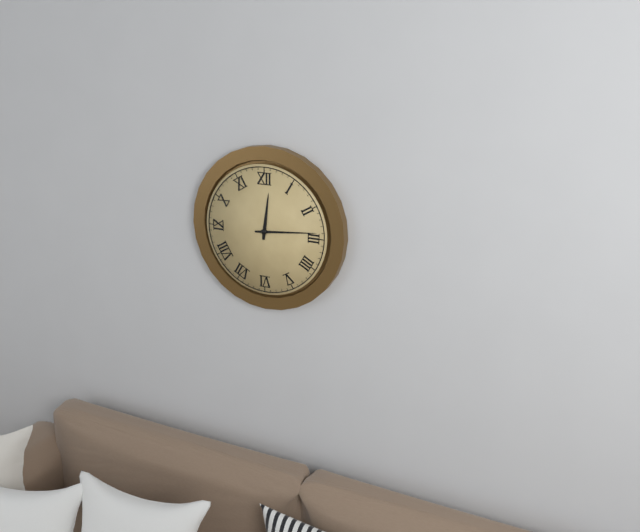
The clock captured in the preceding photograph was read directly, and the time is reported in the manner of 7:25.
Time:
12:14
